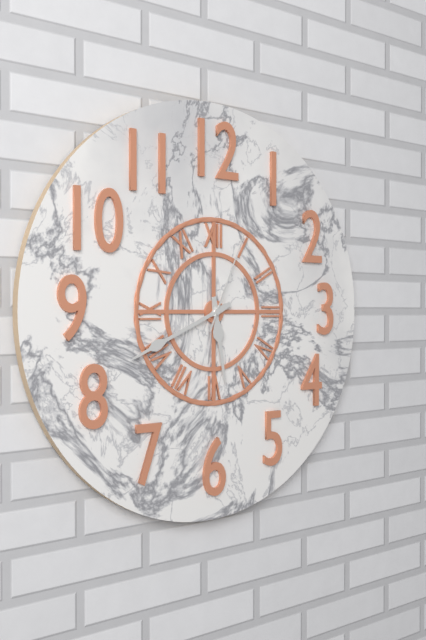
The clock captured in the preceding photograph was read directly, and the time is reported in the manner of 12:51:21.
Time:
5:41:04
